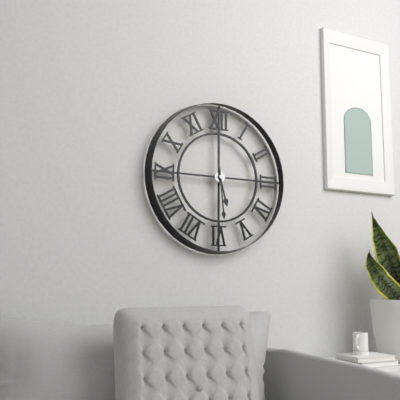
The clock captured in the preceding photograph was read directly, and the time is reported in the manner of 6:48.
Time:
5:29
